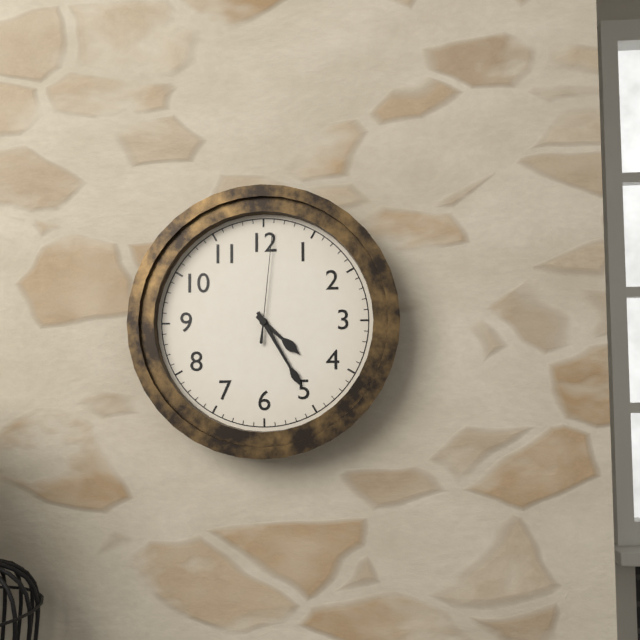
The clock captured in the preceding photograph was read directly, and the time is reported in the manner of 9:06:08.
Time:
4:25:01
